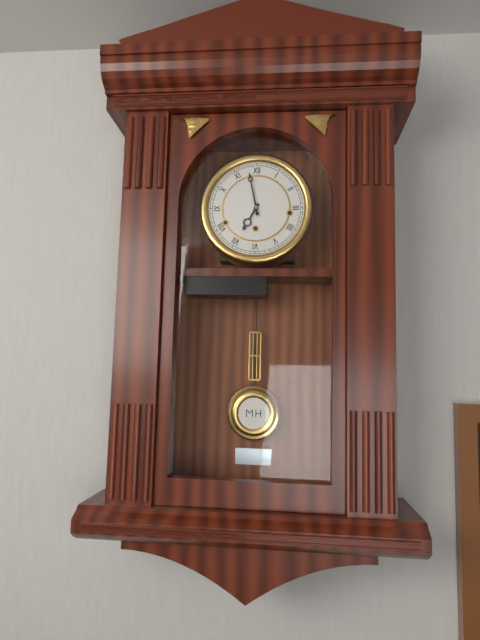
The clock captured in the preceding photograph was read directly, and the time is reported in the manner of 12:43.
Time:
6:58
